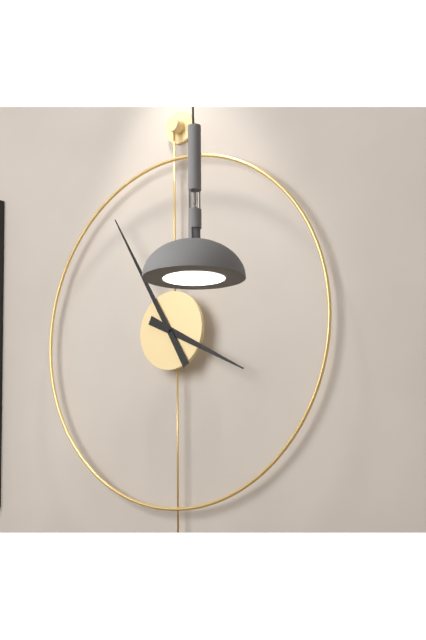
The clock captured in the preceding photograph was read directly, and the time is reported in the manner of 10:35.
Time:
3:55
